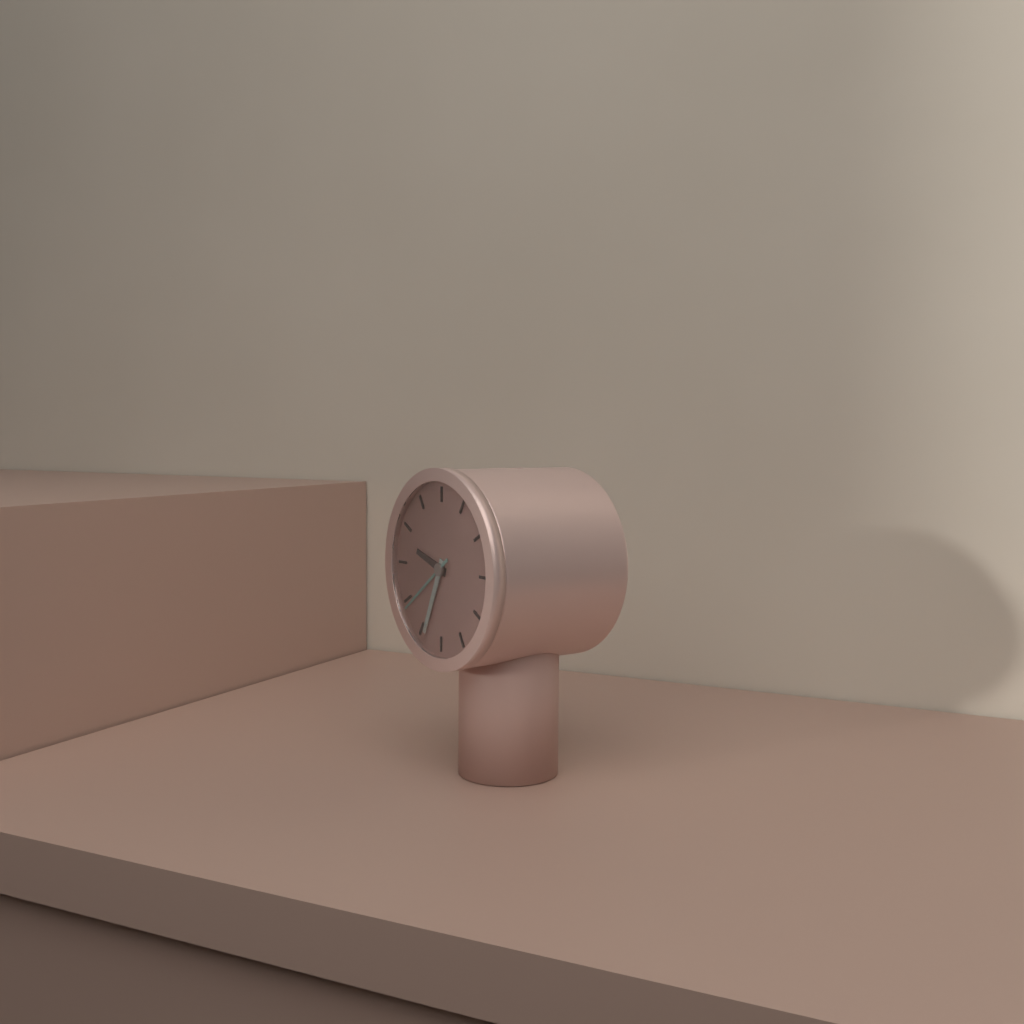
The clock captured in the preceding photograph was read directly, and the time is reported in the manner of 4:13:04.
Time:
9:34:39
